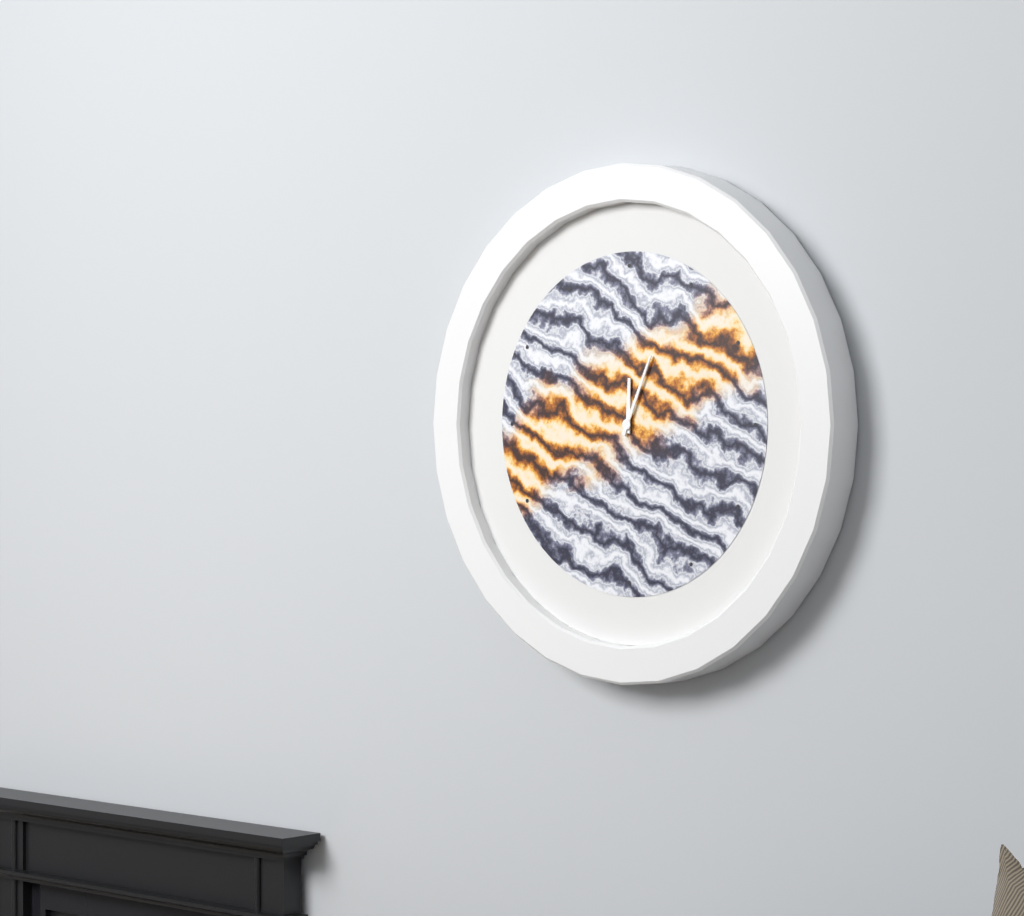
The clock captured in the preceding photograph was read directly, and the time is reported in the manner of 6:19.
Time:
12:04
